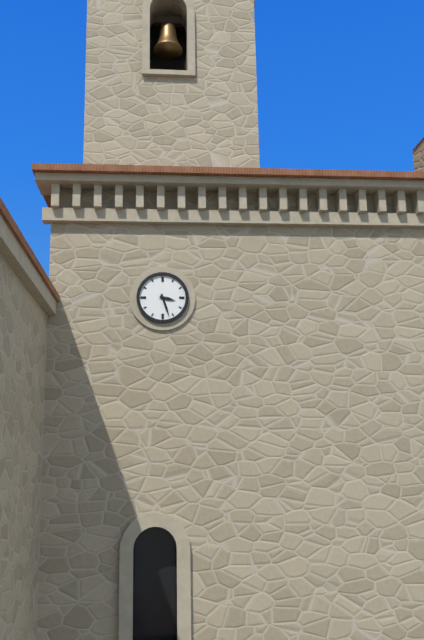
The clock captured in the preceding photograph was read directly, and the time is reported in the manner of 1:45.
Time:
3:27
